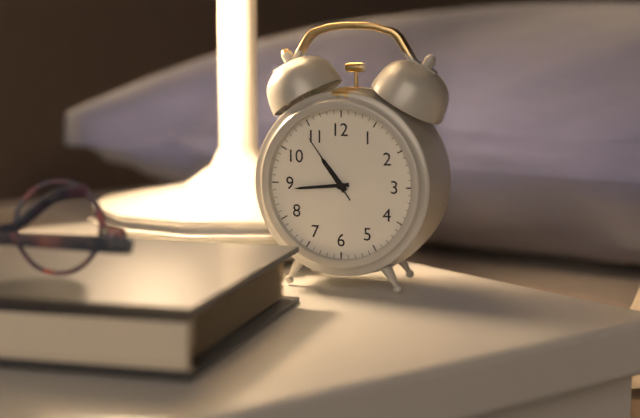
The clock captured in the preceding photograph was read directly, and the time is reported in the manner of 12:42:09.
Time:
10:44:54
